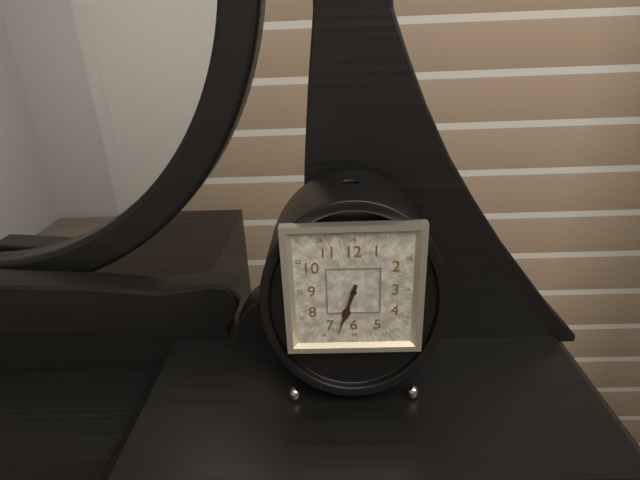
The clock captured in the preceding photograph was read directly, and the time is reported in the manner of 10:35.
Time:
6:33
